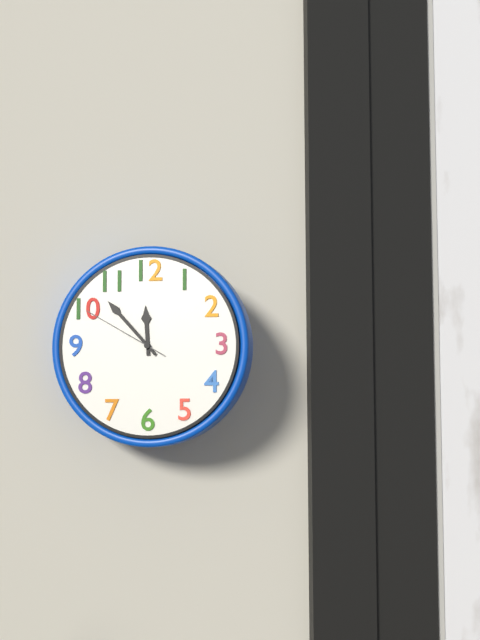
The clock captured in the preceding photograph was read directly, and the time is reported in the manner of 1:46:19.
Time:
11:53:50
